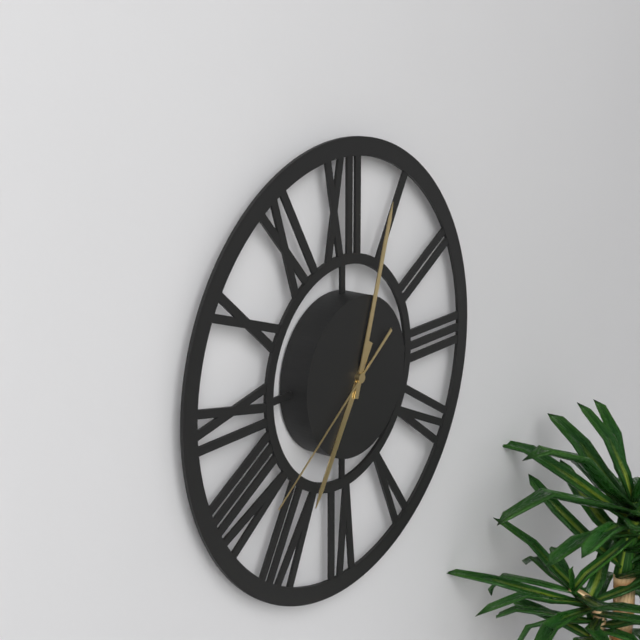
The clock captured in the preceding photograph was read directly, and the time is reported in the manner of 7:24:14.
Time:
7:03:39
